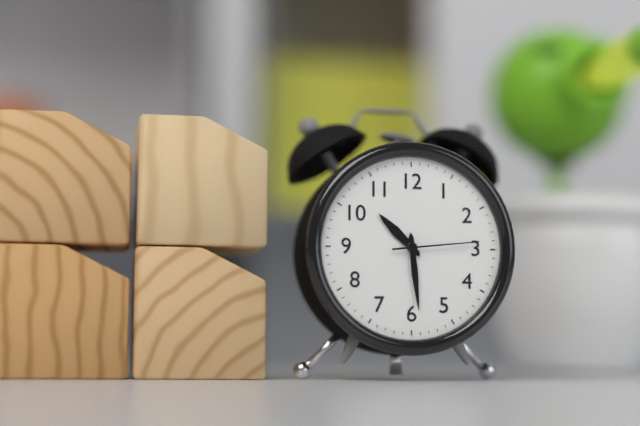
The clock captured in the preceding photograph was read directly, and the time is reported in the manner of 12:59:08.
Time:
10:29:14
